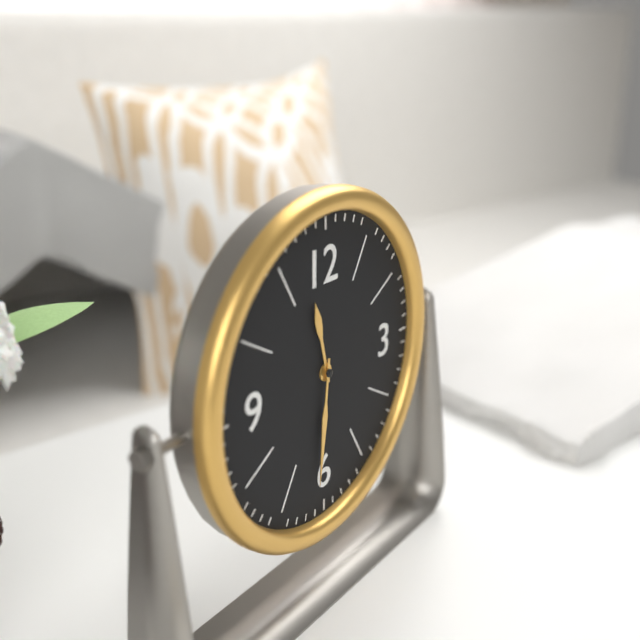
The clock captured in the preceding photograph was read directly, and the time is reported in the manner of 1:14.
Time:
11:31
